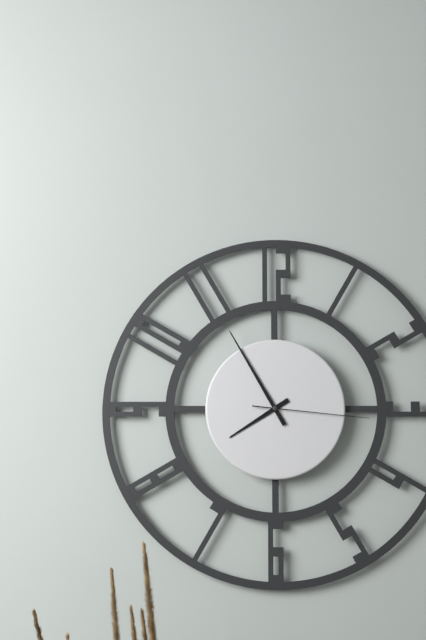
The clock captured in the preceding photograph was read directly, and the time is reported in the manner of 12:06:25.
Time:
7:55:16
